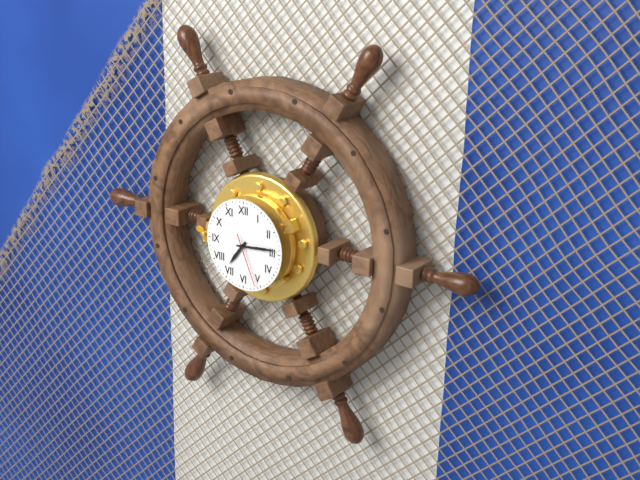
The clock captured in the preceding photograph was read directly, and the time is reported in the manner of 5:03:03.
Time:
7:14:26
